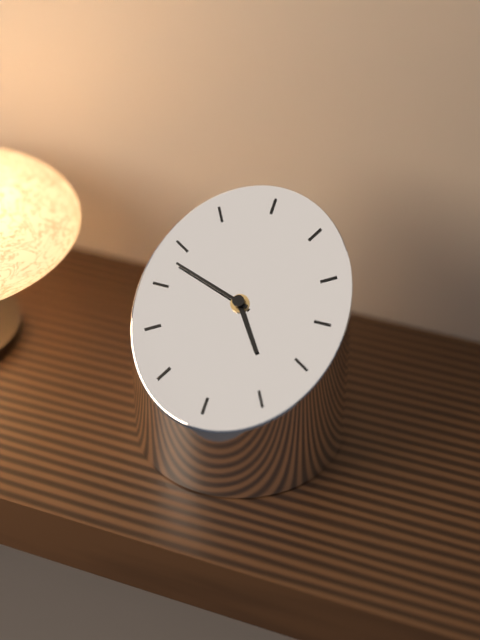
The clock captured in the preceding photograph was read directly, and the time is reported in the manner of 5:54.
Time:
4:48
